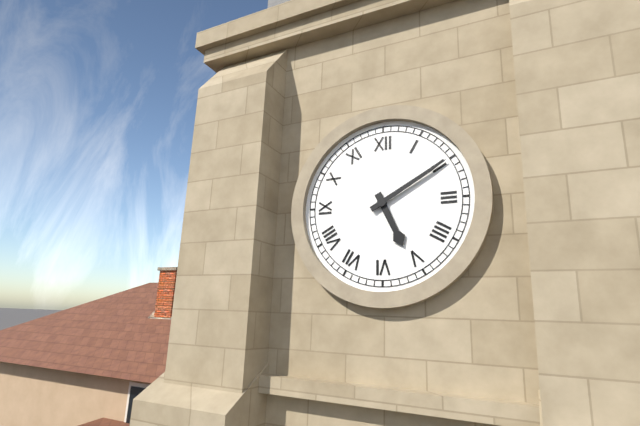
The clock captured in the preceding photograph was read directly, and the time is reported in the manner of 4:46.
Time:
5:10
